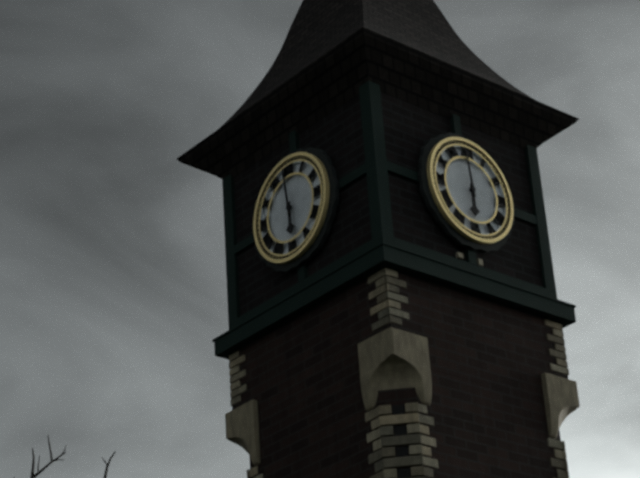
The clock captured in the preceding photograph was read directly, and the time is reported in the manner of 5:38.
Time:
5:59
